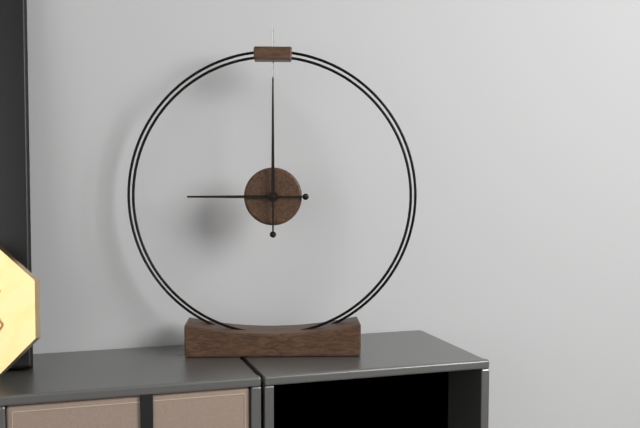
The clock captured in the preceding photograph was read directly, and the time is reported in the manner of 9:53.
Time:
9:00
